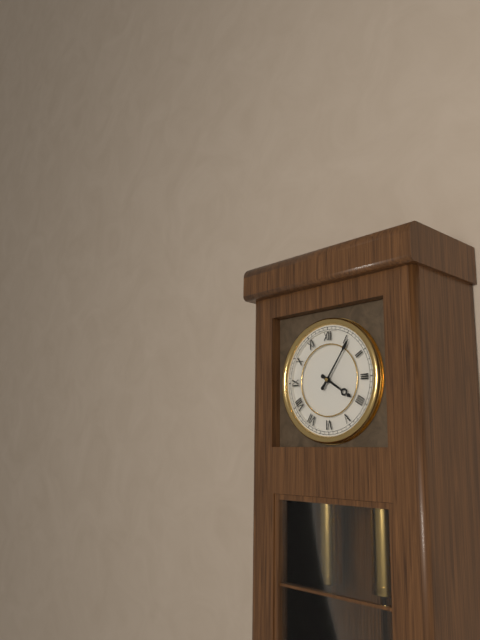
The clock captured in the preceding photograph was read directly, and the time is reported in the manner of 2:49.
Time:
4:06
